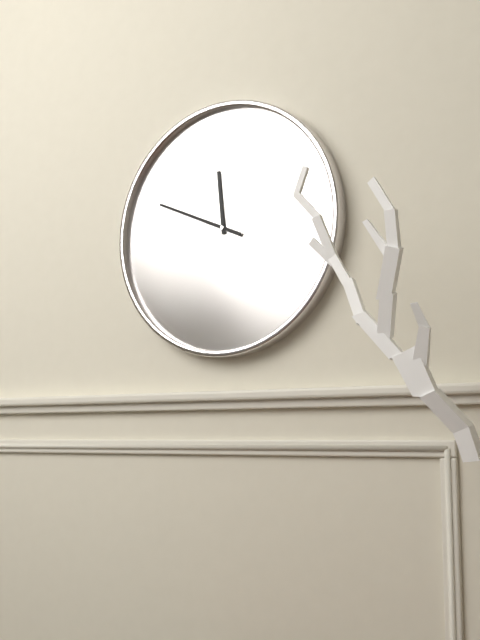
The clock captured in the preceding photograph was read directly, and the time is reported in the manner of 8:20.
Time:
11:49
